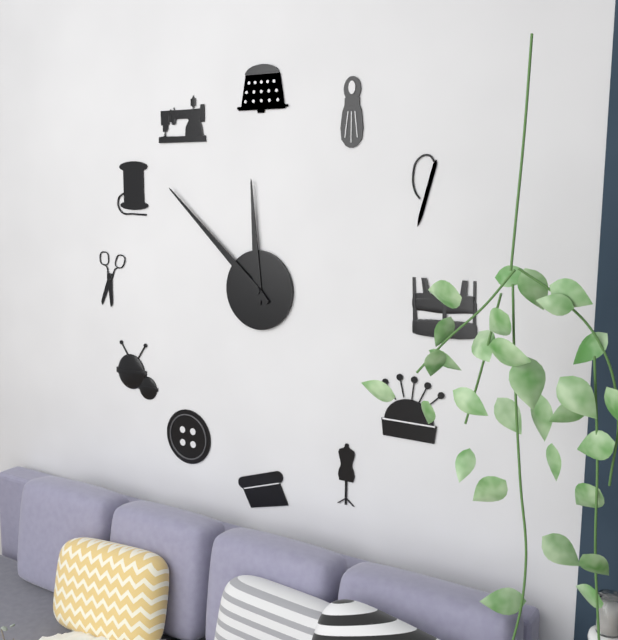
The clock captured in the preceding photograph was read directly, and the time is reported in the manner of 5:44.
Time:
11:52
